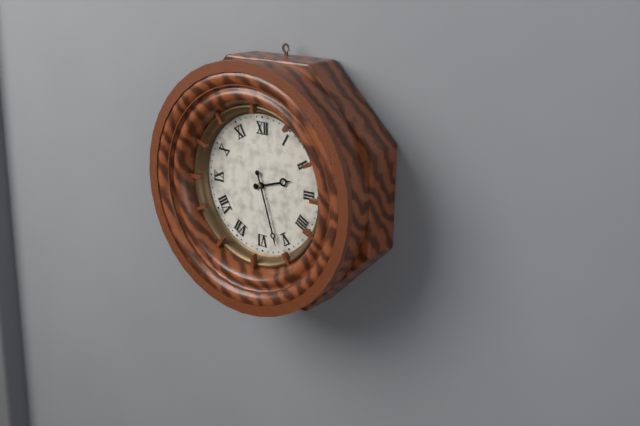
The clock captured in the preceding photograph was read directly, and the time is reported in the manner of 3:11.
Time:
2:27
